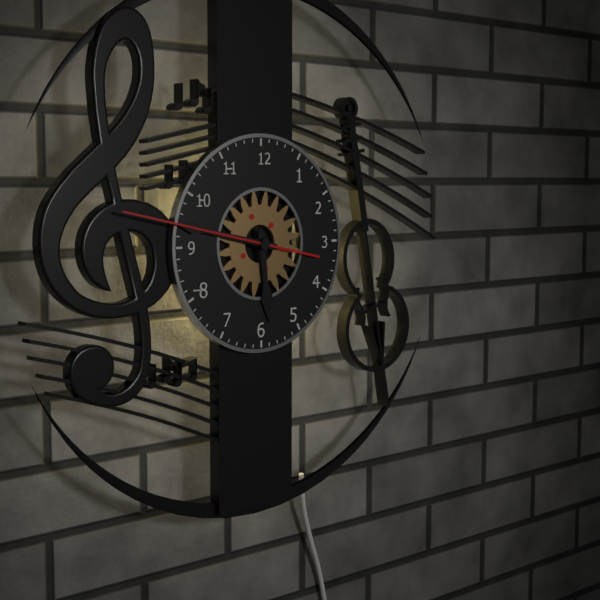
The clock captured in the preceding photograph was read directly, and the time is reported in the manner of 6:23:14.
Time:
5:47:47
